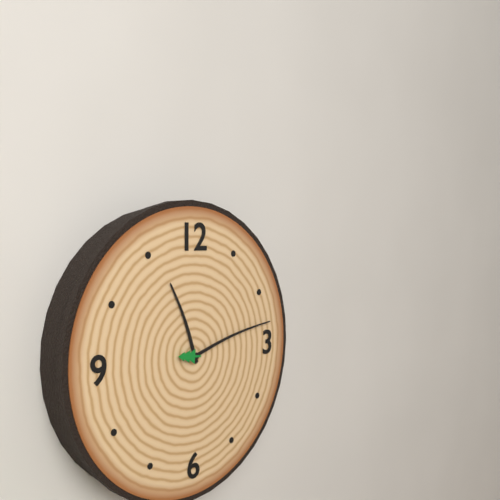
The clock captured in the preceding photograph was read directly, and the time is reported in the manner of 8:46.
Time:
11:13
